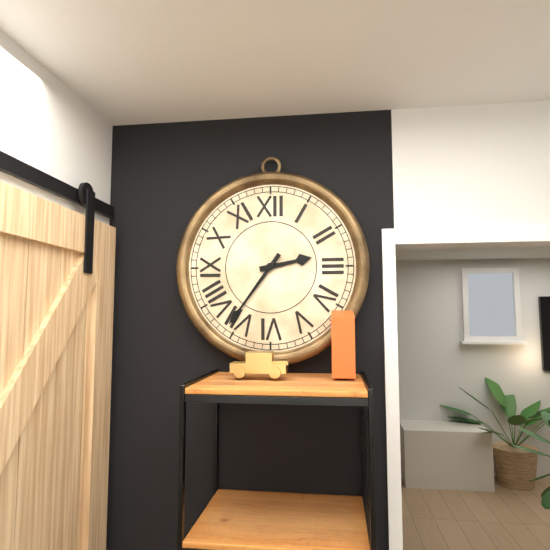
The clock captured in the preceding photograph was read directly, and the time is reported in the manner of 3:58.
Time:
2:36
